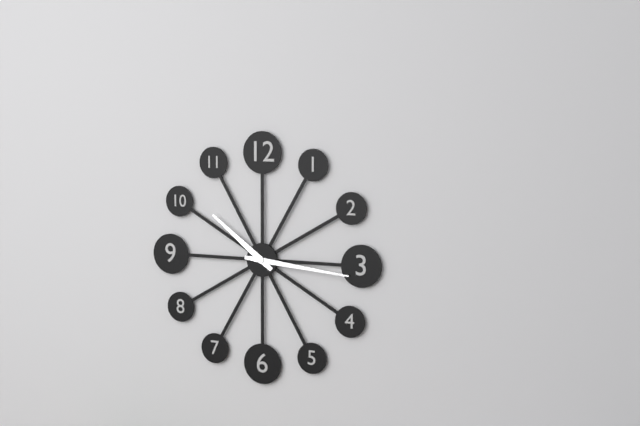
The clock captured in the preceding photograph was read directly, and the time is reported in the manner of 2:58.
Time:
10:16
